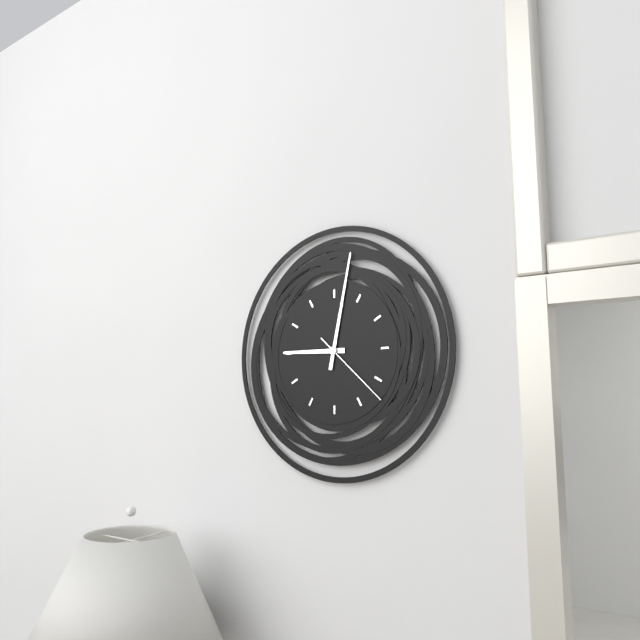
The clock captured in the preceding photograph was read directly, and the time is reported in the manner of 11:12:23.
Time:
9:02:22
